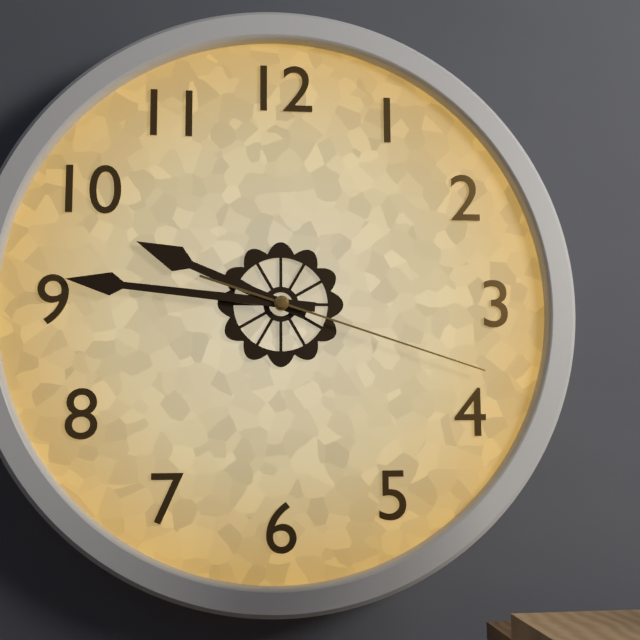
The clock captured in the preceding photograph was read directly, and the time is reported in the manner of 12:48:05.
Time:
9:46:18
